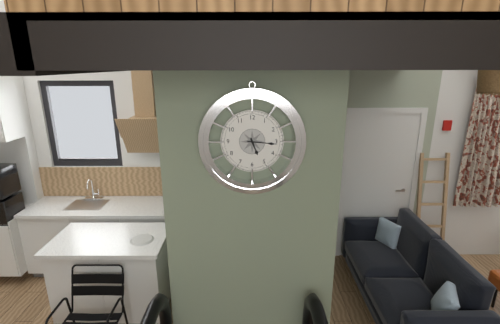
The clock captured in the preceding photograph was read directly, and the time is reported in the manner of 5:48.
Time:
5:16
